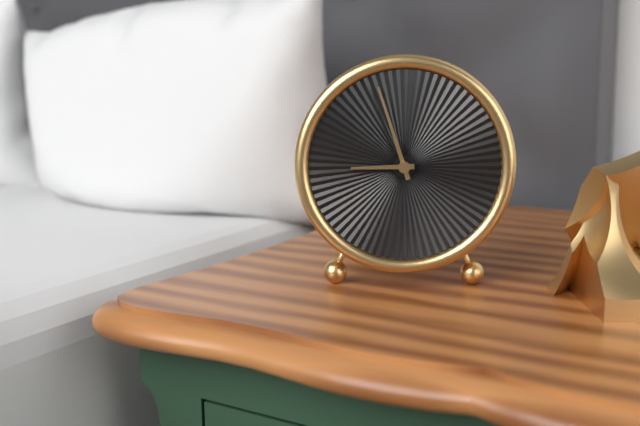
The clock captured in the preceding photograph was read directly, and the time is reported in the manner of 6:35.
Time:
8:57
